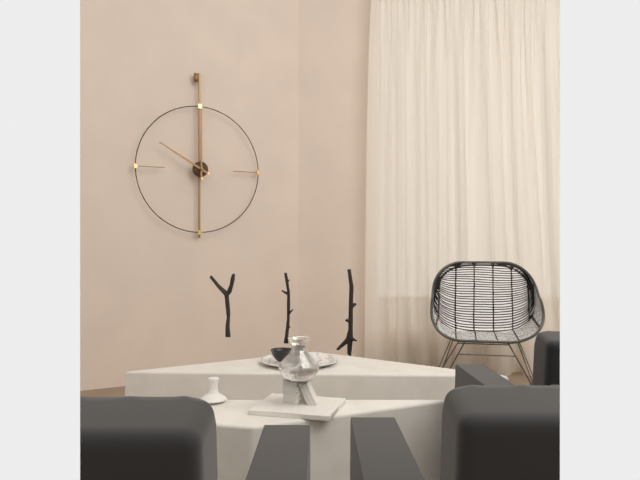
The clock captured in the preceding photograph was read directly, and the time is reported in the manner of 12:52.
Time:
10:00
